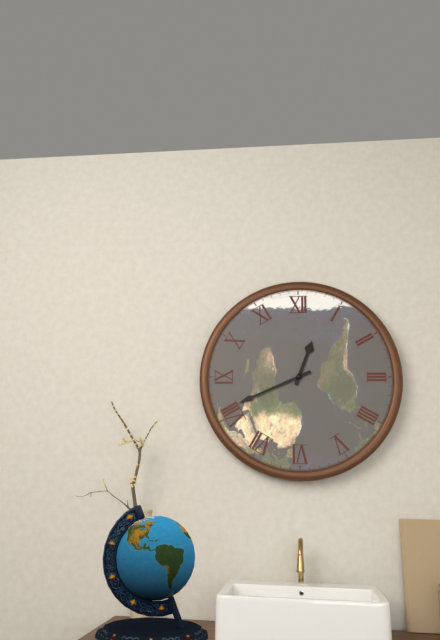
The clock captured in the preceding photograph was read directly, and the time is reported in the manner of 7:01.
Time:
12:41
